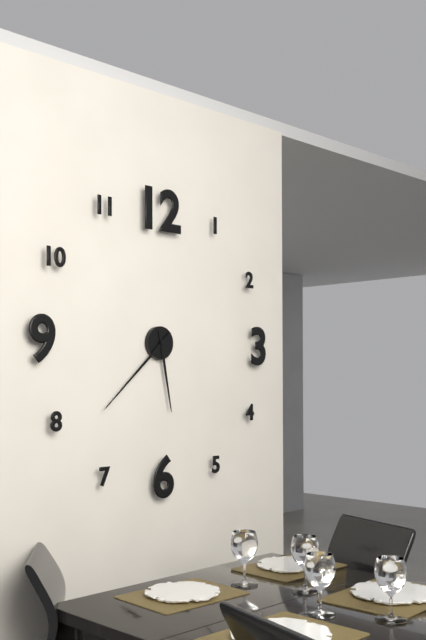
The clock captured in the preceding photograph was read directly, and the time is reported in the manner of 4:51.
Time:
5:38
